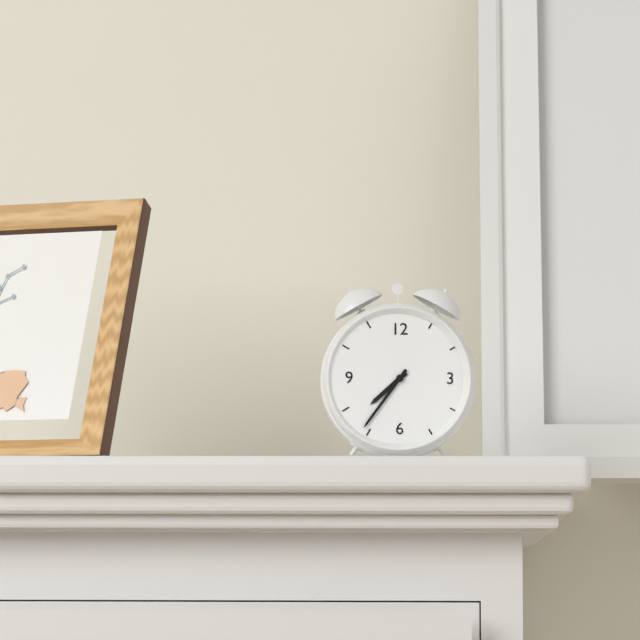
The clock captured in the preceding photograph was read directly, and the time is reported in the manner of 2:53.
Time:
7:36
